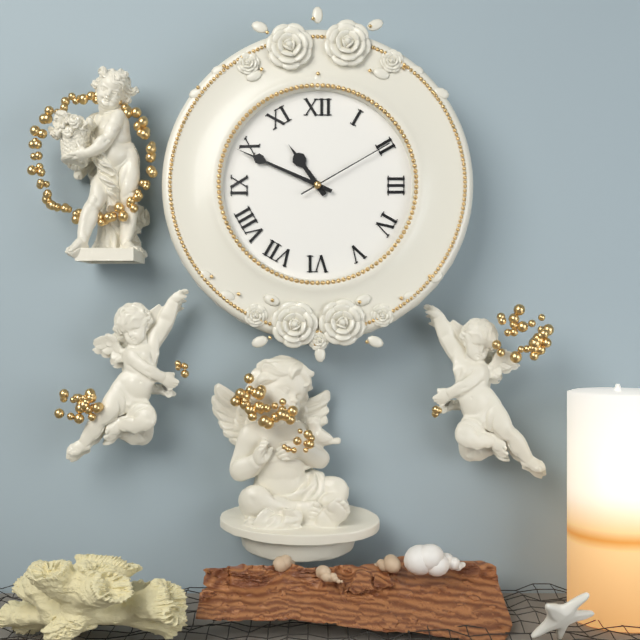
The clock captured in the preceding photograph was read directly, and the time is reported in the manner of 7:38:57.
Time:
10:49:10
